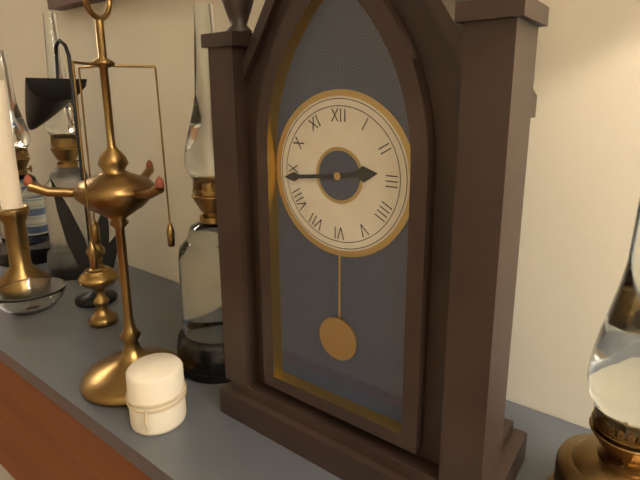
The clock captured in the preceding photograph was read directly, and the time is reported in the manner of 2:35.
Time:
2:44
